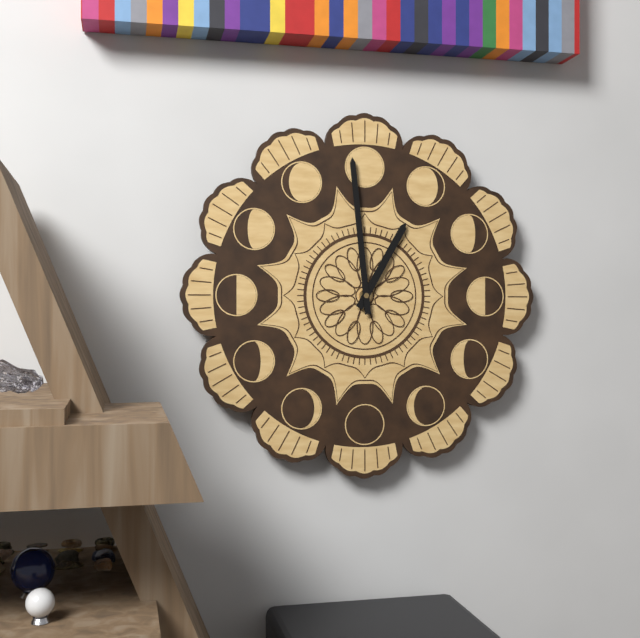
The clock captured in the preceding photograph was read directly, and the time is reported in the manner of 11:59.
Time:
12:59
